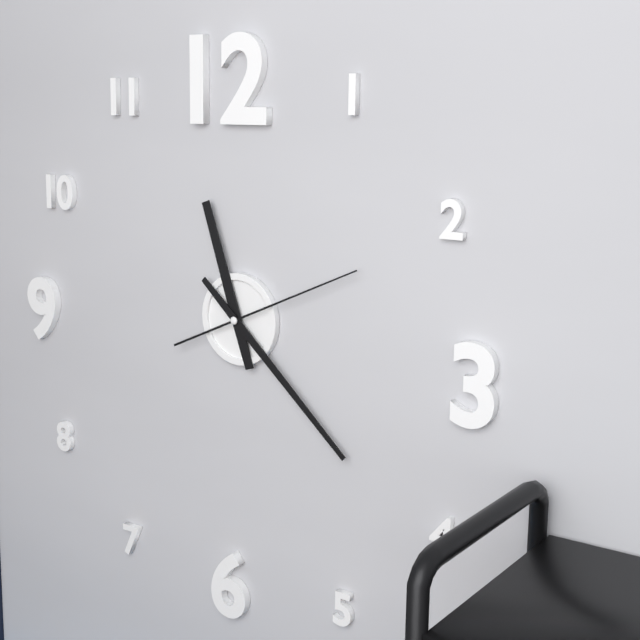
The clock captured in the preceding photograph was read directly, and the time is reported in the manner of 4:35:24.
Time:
11:22:11
